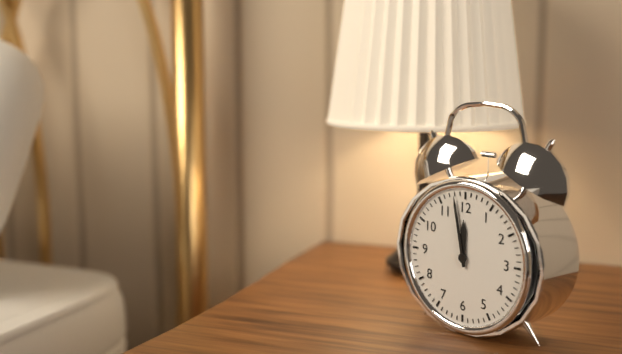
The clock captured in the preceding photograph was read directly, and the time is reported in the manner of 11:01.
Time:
11:58
